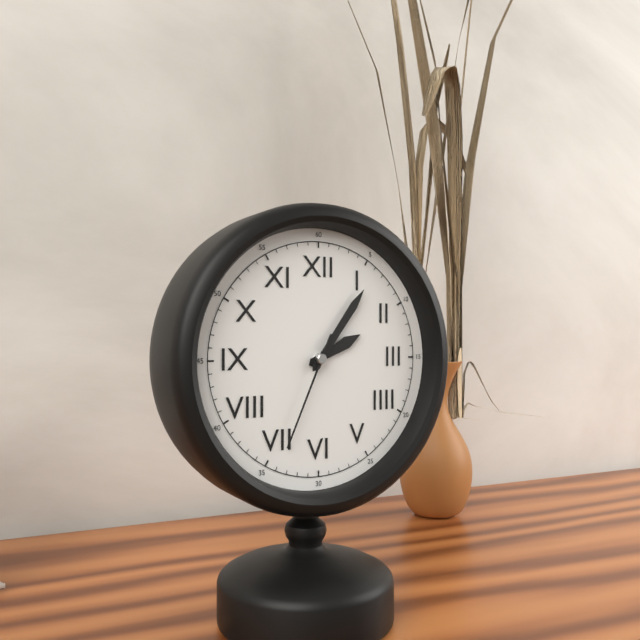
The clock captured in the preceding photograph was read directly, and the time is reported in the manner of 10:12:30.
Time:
2:06:34
